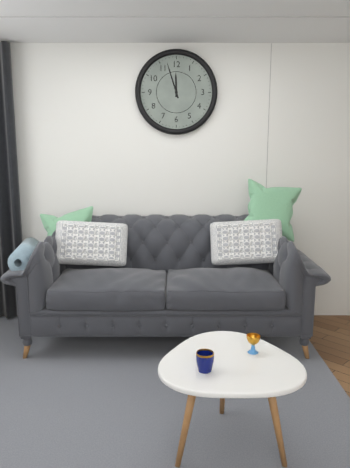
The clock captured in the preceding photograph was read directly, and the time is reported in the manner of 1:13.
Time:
11:57
